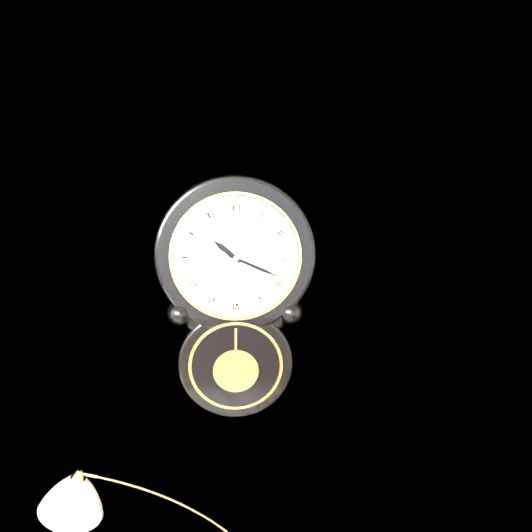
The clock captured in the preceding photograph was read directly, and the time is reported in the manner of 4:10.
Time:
10:19
